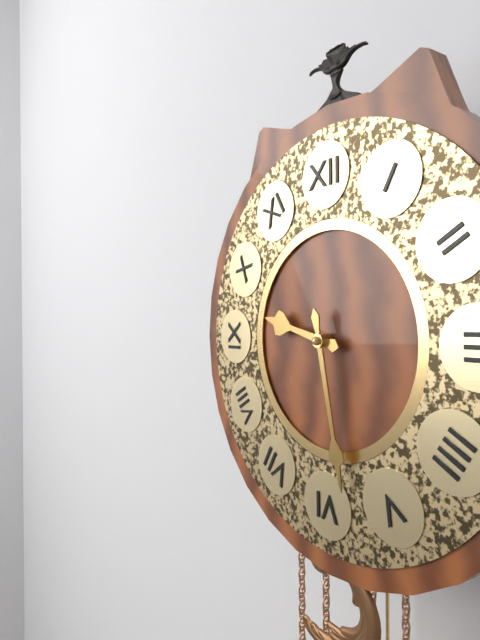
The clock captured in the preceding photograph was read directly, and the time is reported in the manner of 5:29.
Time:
9:28
